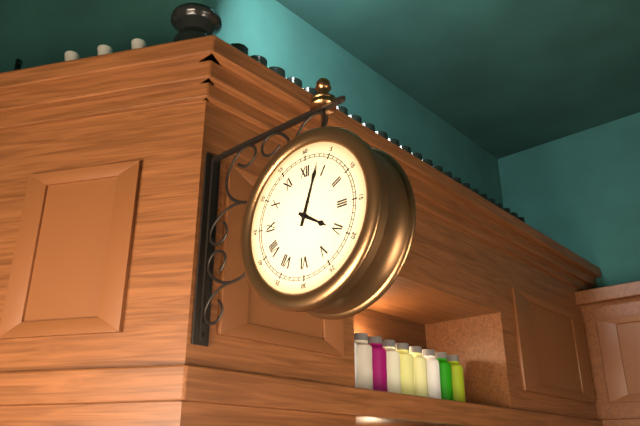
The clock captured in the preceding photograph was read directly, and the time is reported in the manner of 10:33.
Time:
4:03
